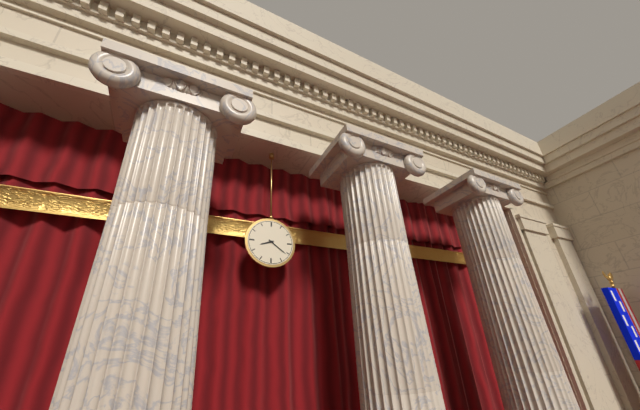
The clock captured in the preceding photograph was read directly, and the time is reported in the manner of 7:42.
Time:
8:21
